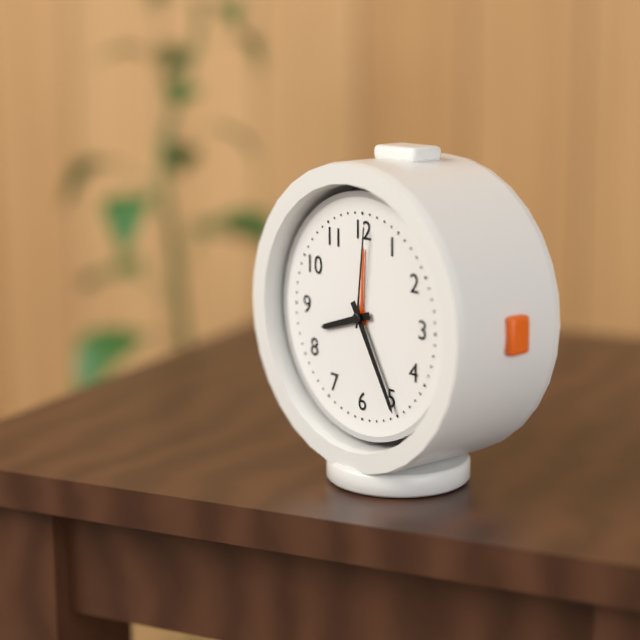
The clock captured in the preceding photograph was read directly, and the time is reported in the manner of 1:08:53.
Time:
8:25:01
